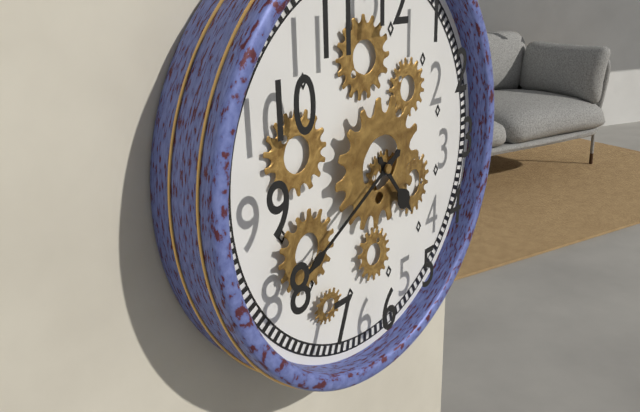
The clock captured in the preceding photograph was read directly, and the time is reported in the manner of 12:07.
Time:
4:40
